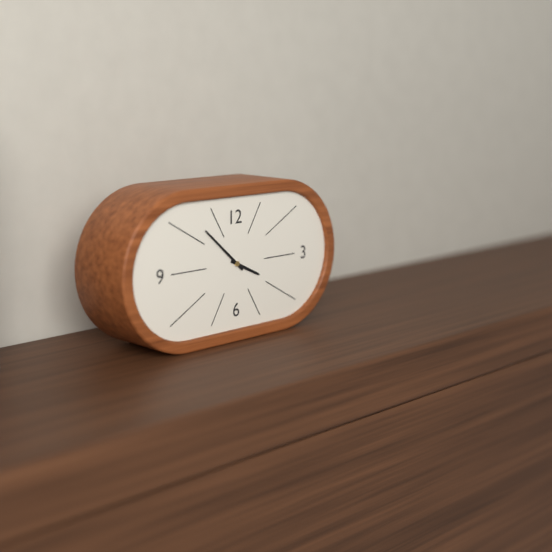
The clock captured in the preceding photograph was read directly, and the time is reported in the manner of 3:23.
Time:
3:52
